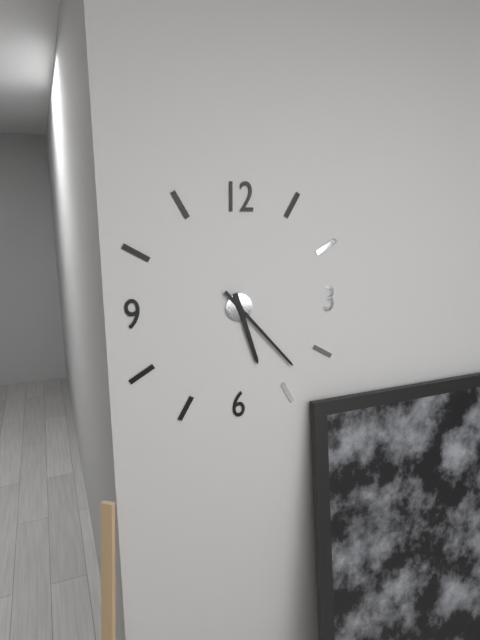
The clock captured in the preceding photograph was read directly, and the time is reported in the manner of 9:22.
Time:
5:23
